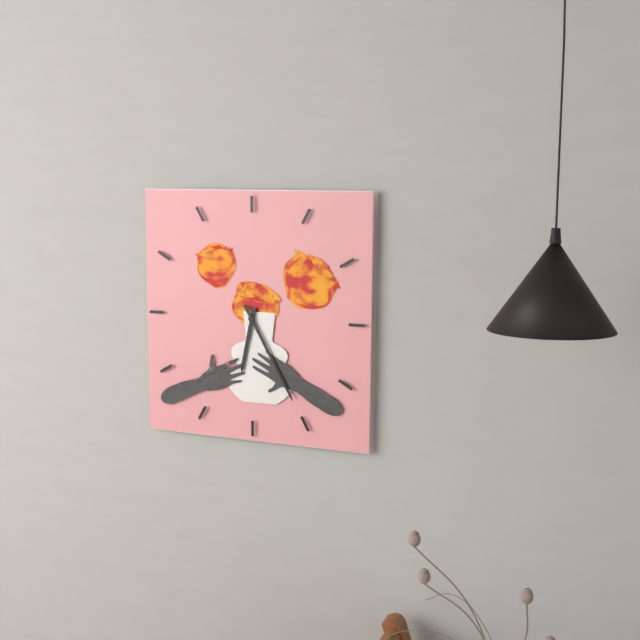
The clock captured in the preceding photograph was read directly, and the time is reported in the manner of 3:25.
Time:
6:25
